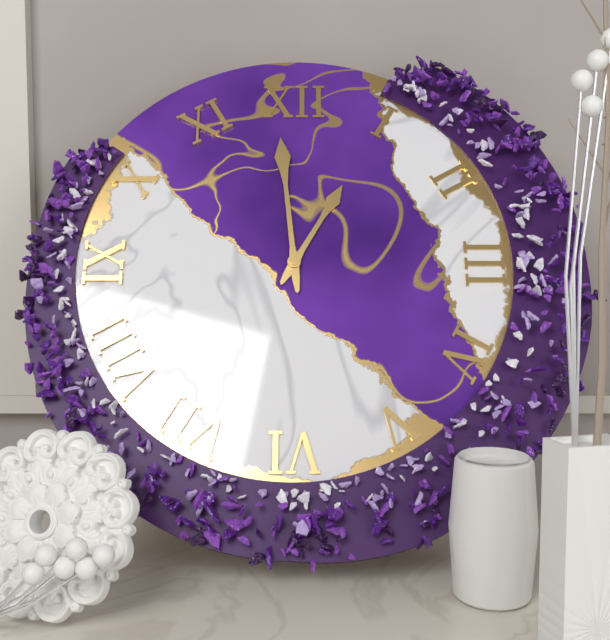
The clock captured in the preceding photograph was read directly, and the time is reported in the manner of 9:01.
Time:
12:59
